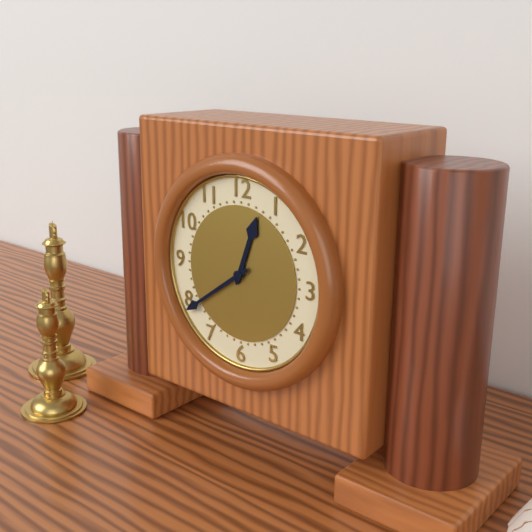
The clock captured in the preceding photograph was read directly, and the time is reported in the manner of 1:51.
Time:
12:39
